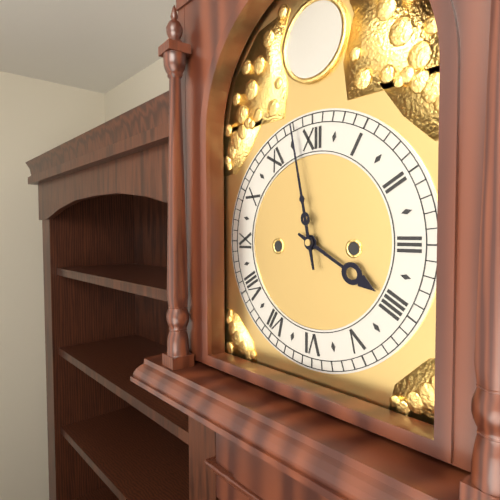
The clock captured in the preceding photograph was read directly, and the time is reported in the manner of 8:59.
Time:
3:58
